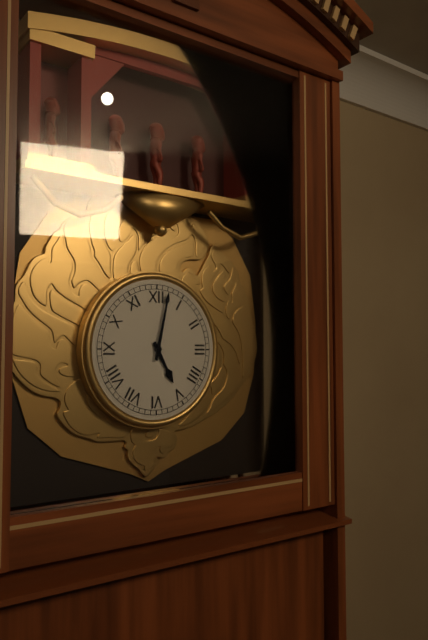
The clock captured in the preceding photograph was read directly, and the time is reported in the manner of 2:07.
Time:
5:02
